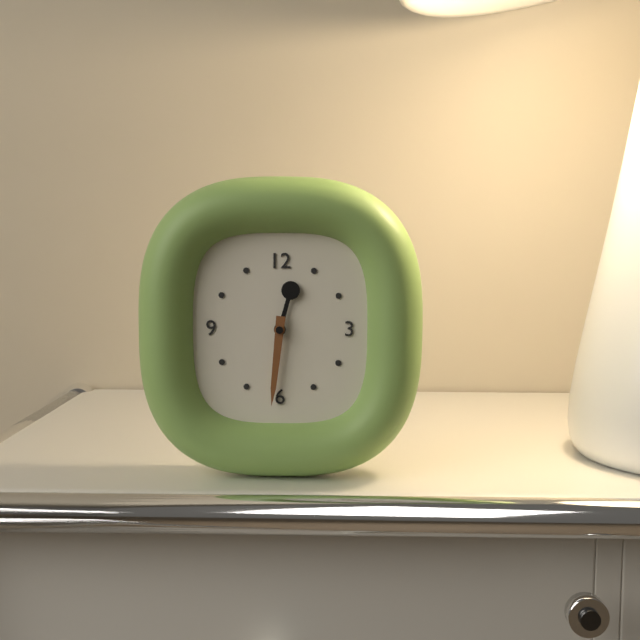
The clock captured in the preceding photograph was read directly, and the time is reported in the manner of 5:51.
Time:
12:31
